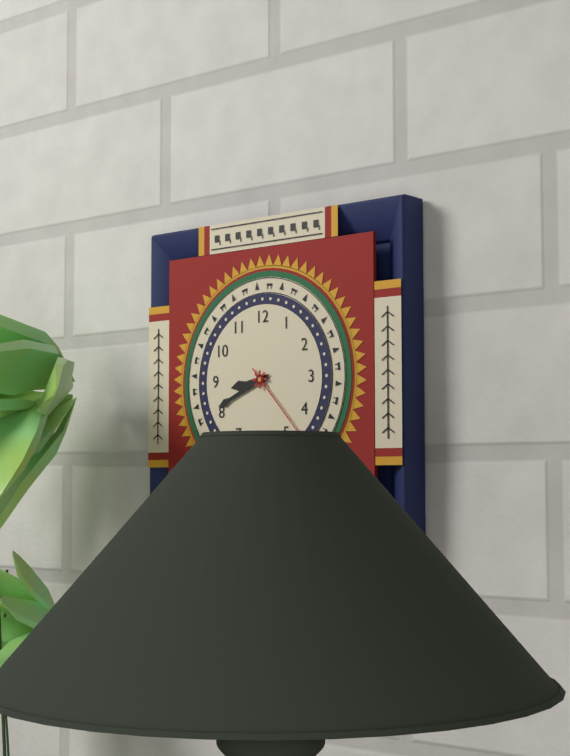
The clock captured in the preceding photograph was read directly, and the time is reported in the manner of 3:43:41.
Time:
8:41:23
